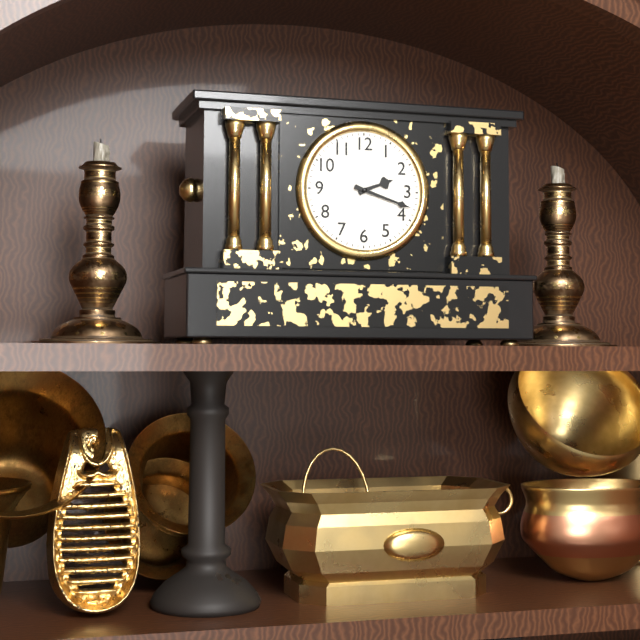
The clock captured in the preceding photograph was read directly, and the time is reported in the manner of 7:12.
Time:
2:18
